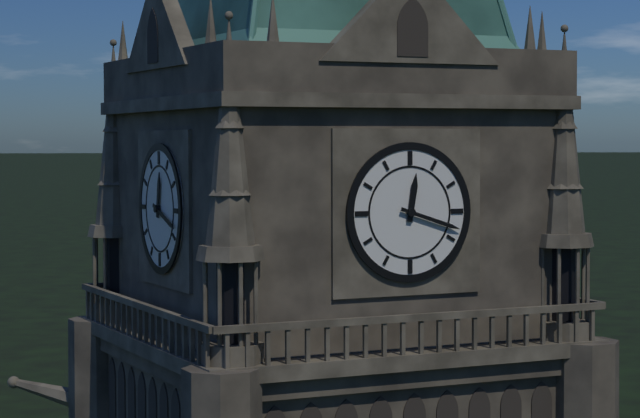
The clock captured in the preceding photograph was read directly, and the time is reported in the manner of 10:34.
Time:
12:18
